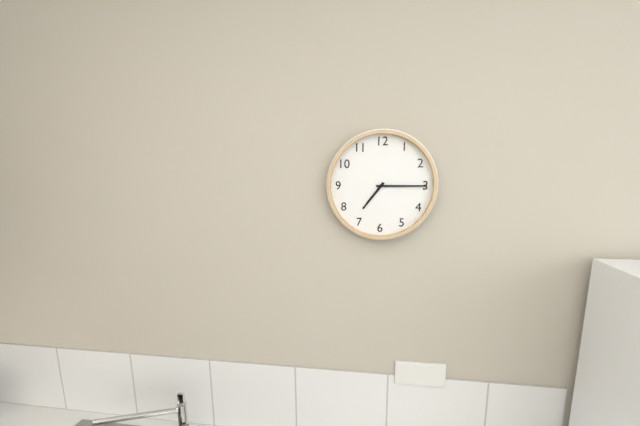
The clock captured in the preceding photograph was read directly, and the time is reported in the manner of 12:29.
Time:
7:15
